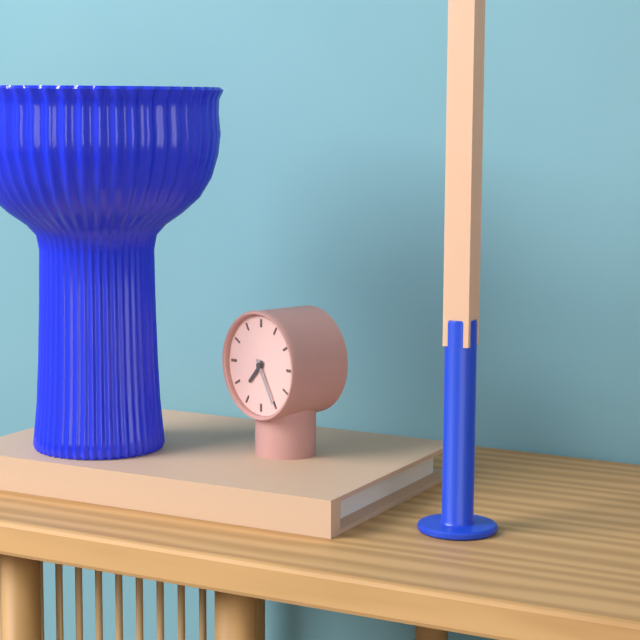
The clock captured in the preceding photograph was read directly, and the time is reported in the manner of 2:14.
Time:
7:25
